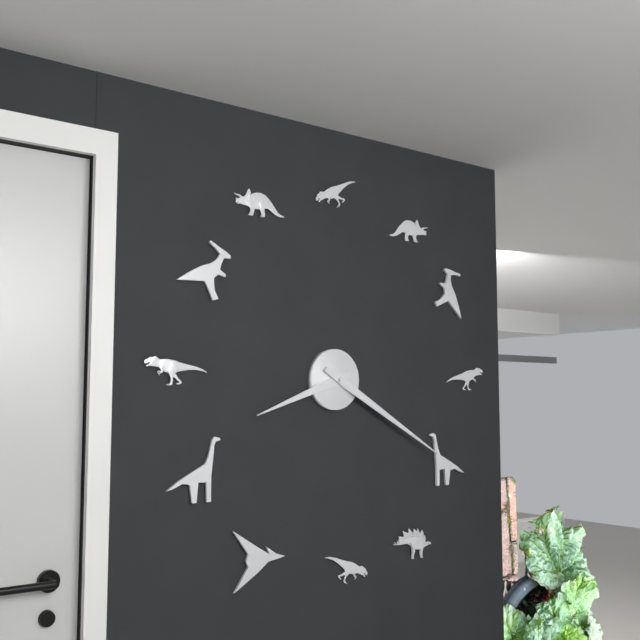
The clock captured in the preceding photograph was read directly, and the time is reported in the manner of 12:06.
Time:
8:20
